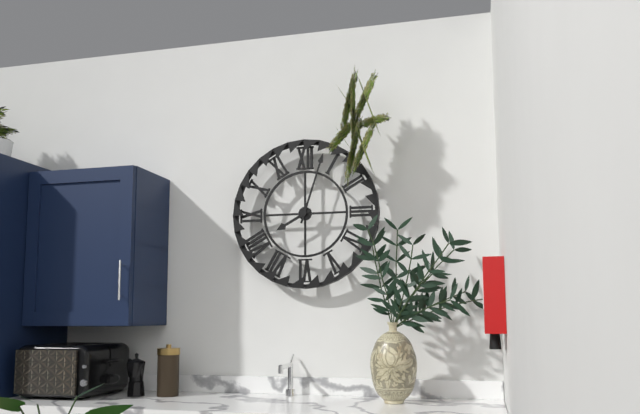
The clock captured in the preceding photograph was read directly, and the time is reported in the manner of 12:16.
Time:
8:03
